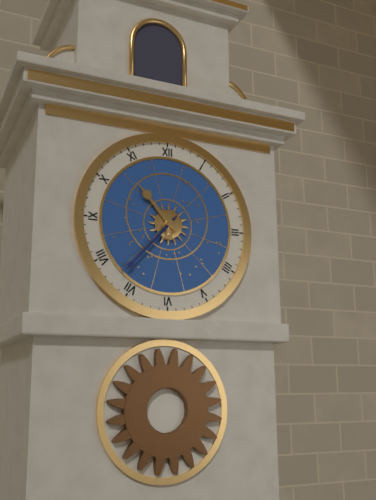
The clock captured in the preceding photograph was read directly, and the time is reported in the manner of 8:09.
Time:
10:37
